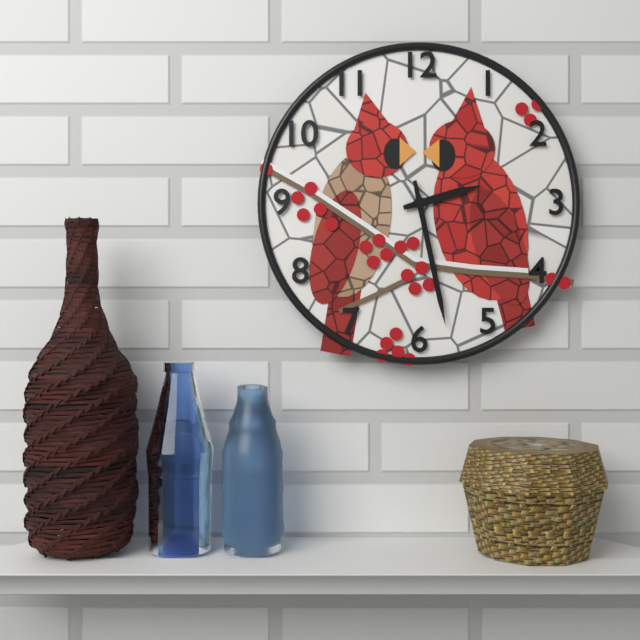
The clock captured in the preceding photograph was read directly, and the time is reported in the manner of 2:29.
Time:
2:28
